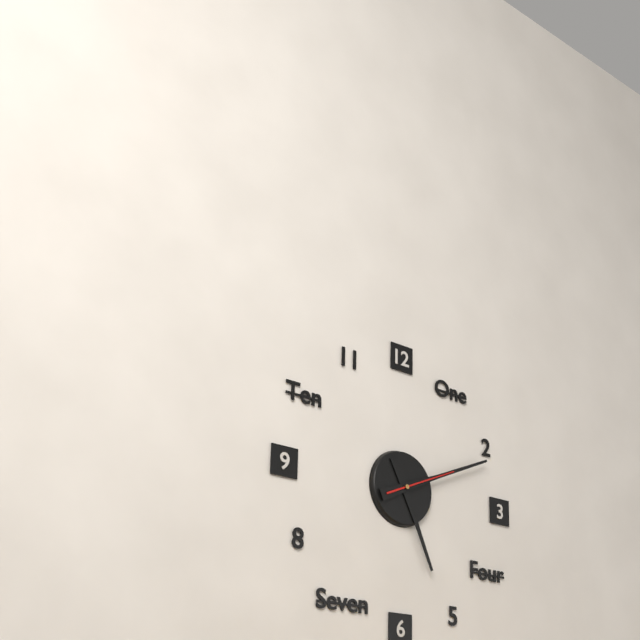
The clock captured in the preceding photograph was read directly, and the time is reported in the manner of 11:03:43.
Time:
5:11:11
